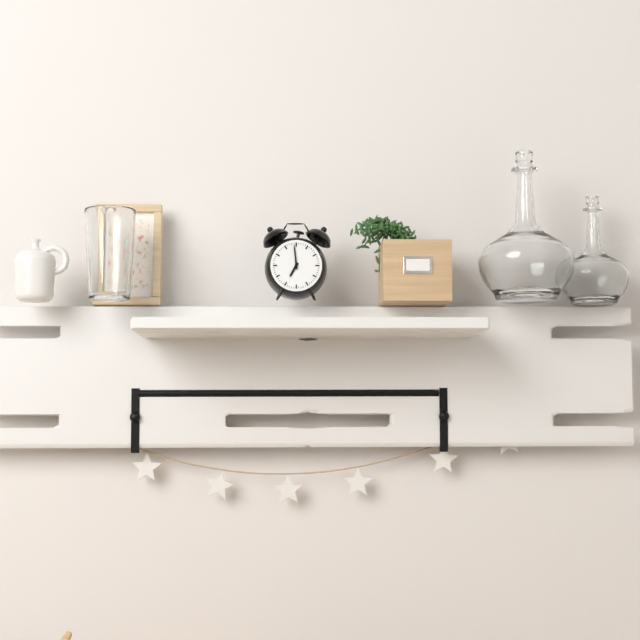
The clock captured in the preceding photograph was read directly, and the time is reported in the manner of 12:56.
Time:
6:59
